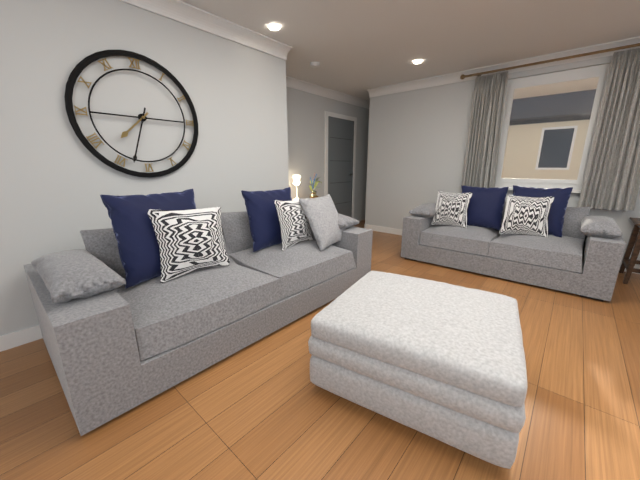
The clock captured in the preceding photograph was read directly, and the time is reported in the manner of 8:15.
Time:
7:33
